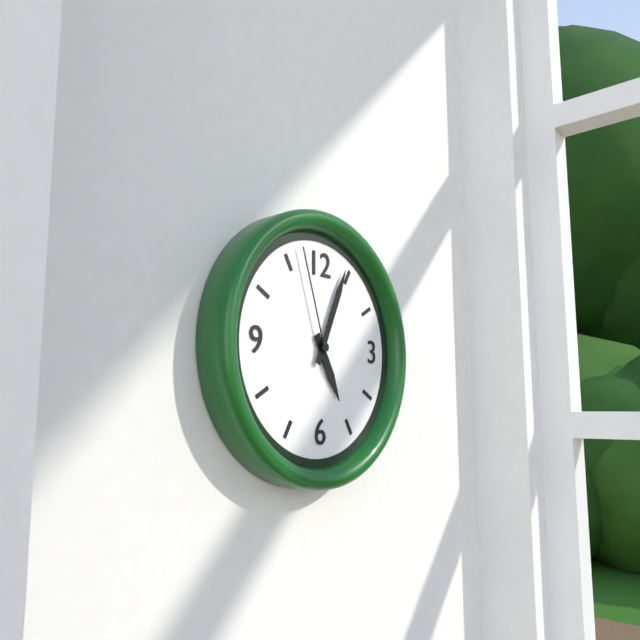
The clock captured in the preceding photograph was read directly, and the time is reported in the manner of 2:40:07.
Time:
5:04:57
